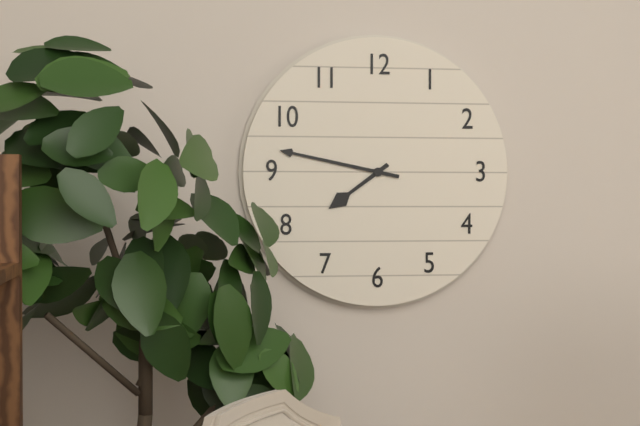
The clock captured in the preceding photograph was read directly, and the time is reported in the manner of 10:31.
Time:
7:47
